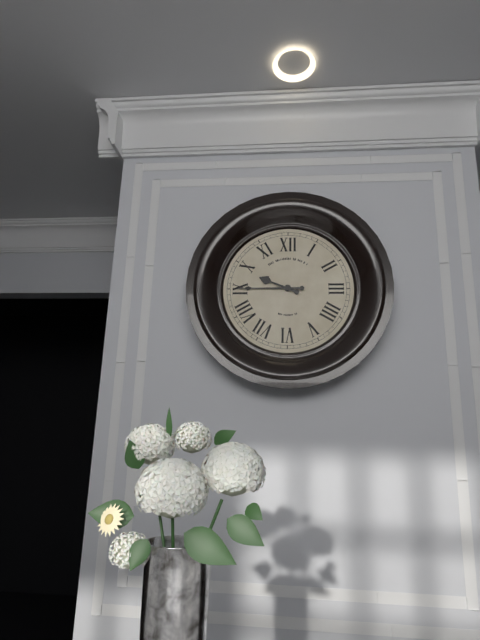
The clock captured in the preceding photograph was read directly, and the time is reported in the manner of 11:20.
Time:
9:45
